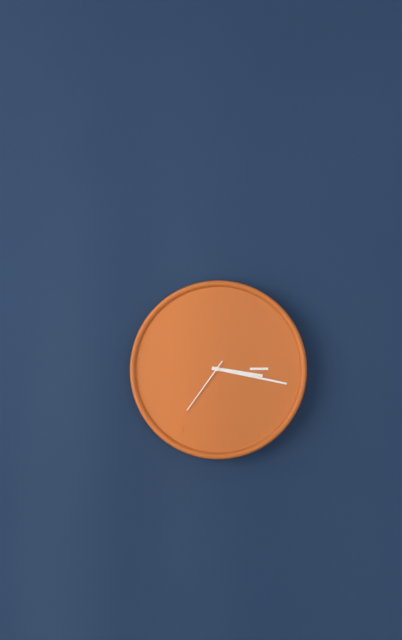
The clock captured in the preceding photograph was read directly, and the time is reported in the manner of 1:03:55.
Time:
3:17:36
